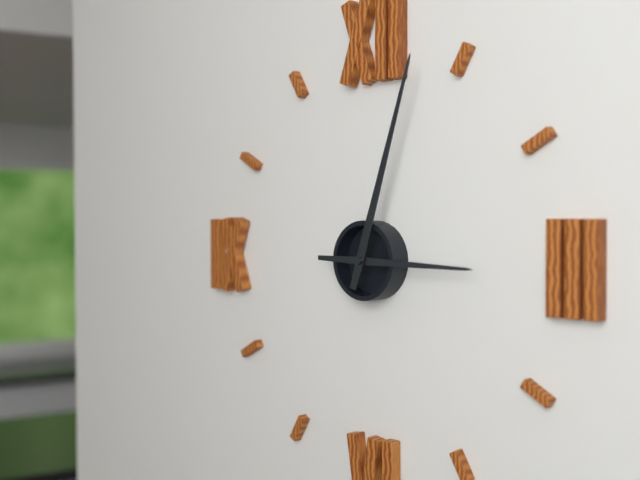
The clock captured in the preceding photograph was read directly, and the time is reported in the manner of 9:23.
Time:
3:03
